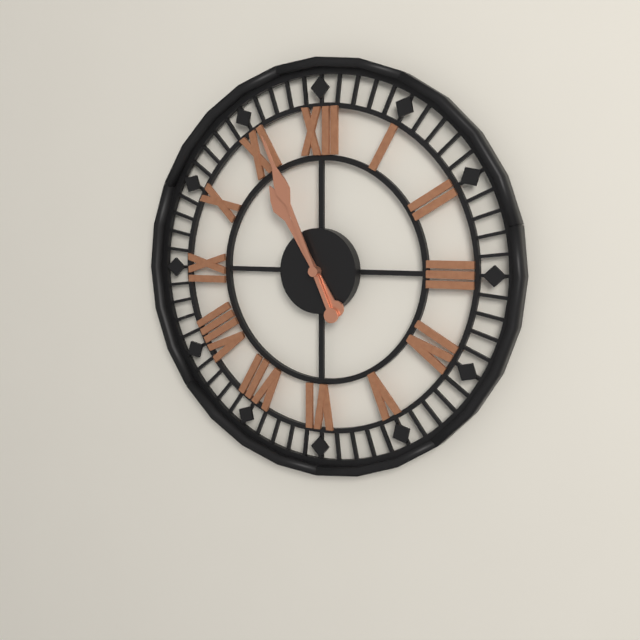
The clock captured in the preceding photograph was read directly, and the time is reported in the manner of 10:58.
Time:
10:56
